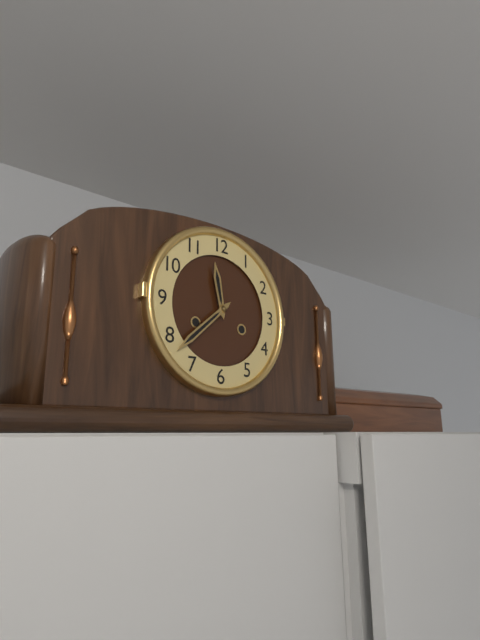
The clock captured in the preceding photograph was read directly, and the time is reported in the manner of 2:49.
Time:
11:38
